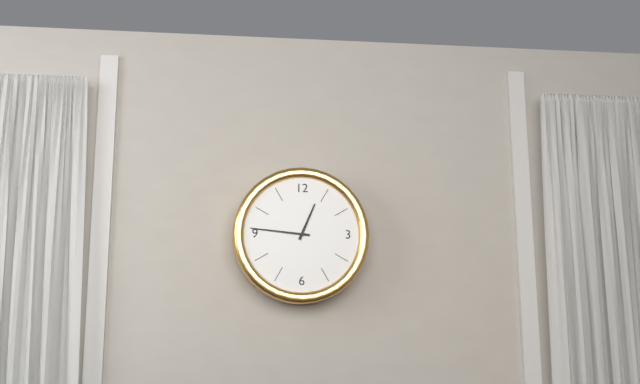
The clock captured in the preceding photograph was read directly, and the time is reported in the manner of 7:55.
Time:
12:46
